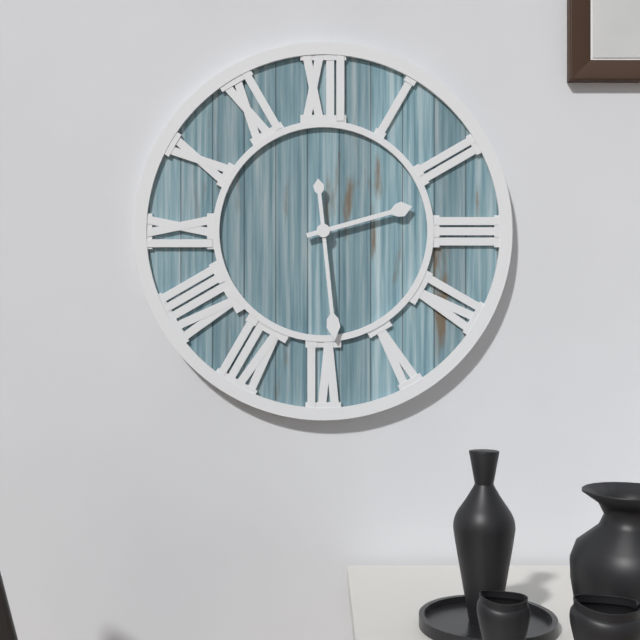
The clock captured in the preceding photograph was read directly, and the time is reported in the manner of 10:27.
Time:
2:29
